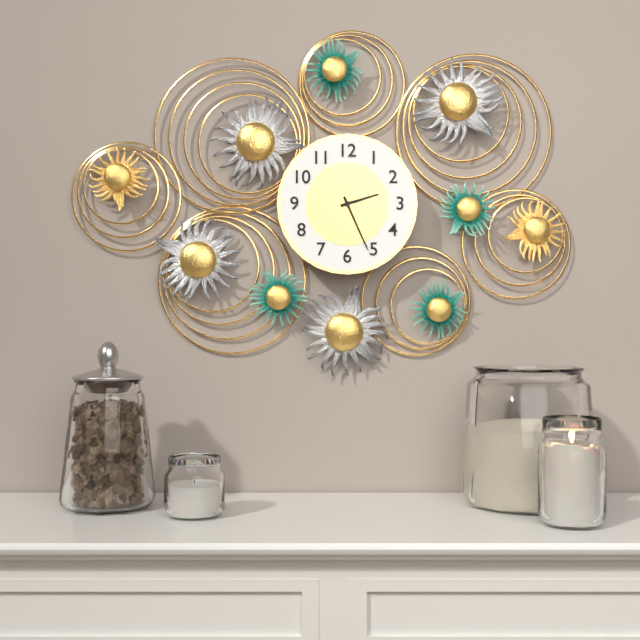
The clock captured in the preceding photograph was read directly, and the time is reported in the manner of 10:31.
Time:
2:26
